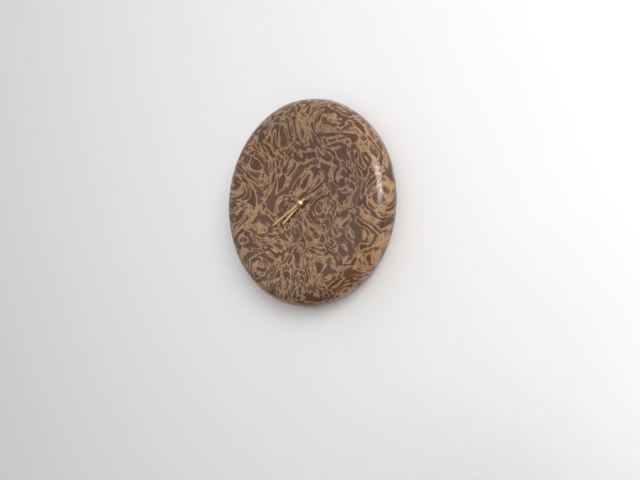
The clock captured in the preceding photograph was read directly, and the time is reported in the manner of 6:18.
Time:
7:40
